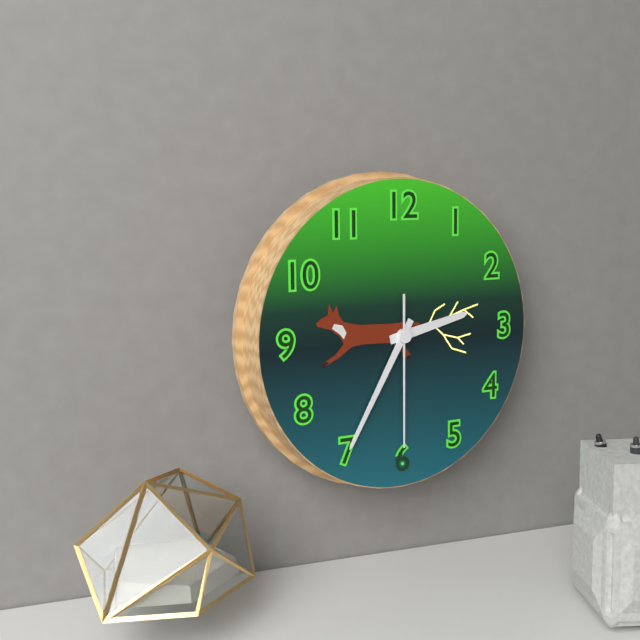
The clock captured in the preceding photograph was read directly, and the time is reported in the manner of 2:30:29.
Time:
2:35:30
